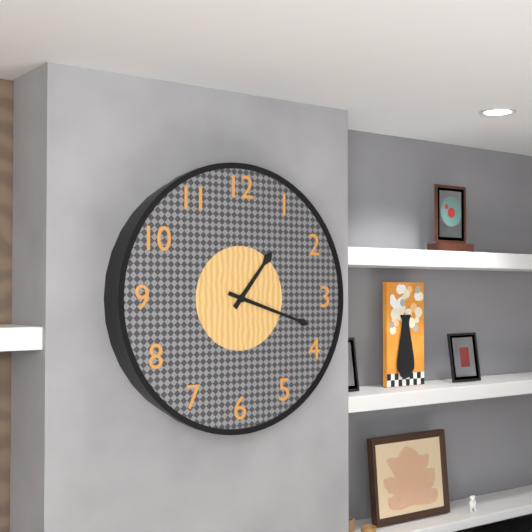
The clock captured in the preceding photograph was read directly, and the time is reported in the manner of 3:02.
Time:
1:18
